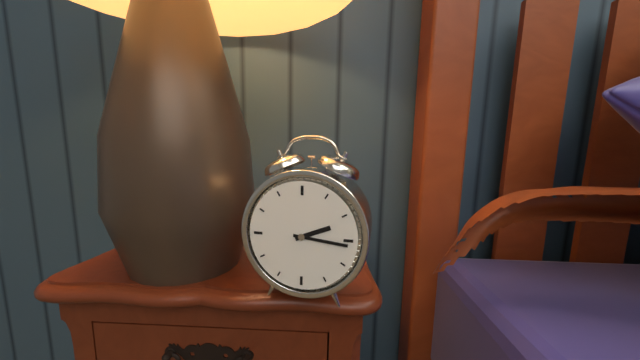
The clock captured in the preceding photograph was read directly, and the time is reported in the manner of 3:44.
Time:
2:16
